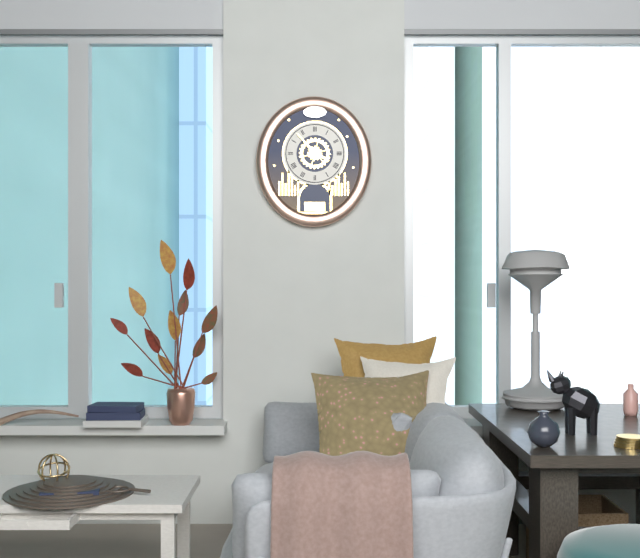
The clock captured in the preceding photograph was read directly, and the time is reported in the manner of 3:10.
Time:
3:53
